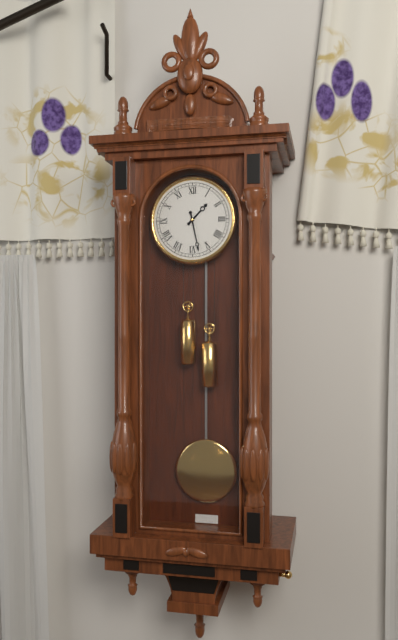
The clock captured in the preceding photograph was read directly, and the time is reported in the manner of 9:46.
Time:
1:28
